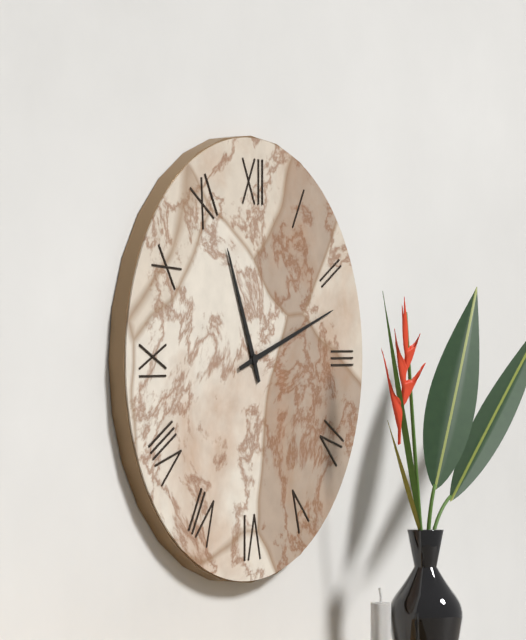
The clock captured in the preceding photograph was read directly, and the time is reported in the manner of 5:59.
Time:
11:12
